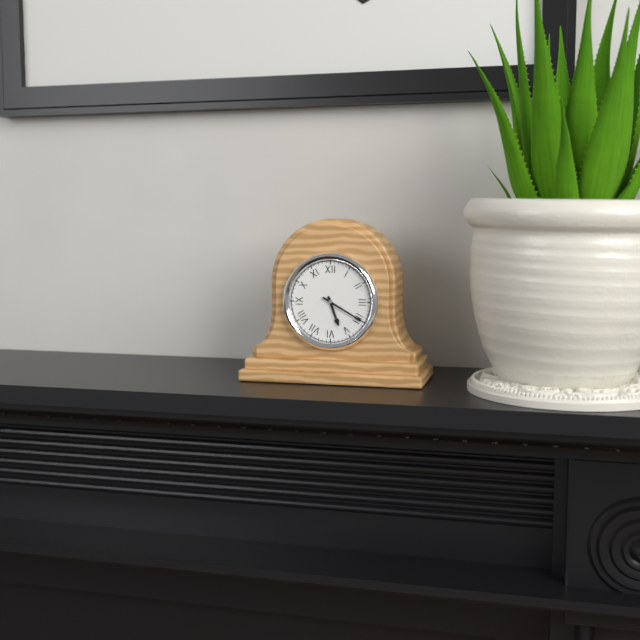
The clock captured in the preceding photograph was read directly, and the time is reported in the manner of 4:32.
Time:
5:20
